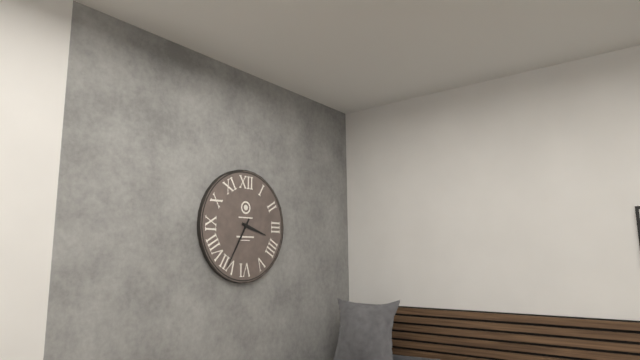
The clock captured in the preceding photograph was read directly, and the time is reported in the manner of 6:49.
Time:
3:35
